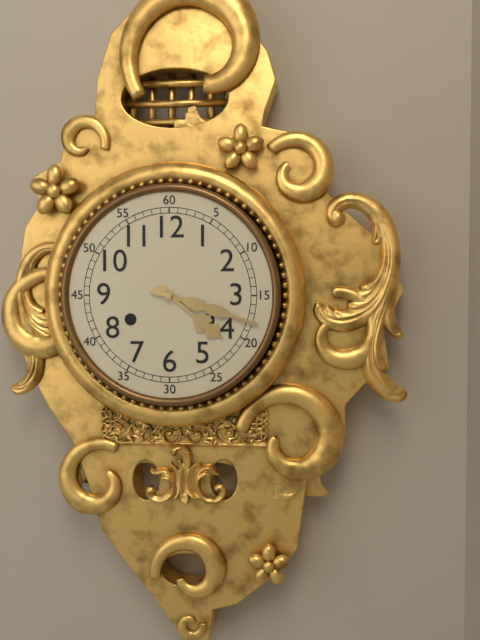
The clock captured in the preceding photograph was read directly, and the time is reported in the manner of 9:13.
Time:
4:18
